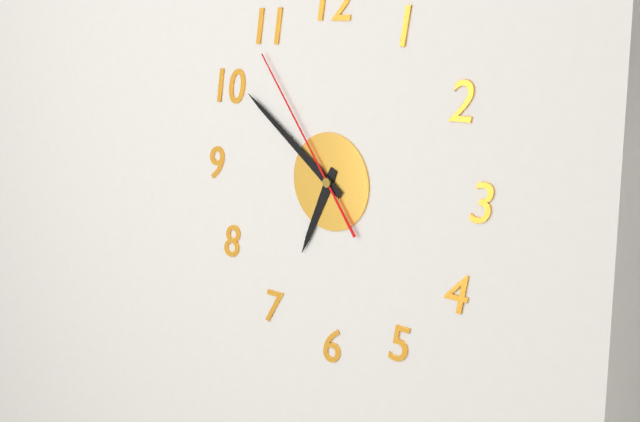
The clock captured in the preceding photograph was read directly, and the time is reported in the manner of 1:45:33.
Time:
6:51:54
